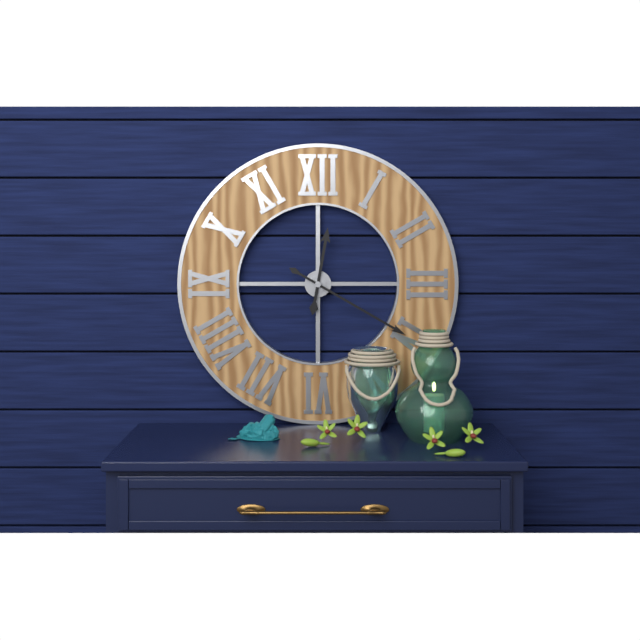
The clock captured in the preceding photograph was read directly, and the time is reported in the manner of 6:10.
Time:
12:20
